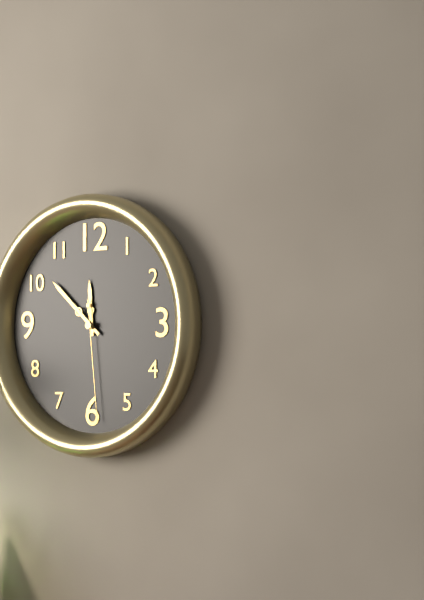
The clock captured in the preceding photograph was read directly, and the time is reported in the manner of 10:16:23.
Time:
11:52:29
